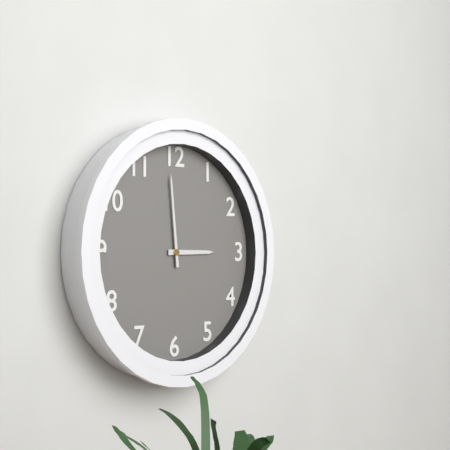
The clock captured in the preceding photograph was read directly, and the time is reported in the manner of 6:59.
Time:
2:59
